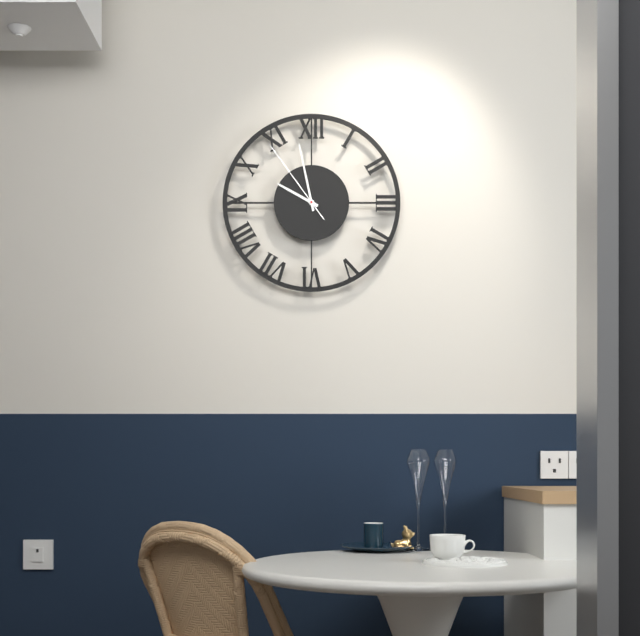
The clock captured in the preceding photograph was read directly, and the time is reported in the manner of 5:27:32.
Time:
9:58:54
